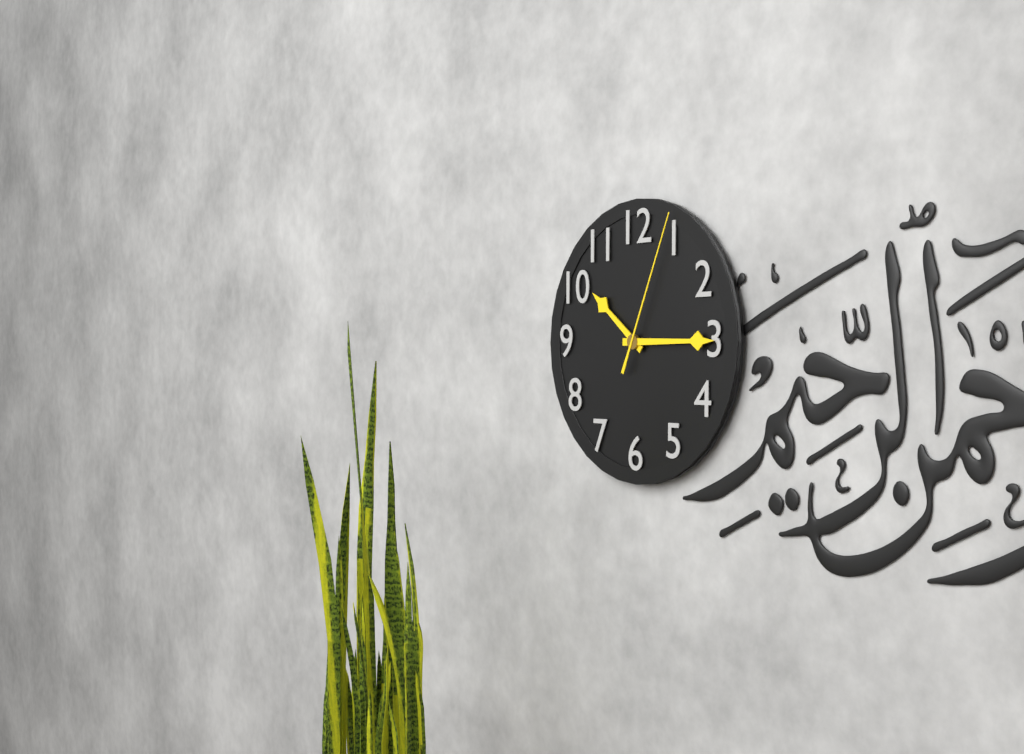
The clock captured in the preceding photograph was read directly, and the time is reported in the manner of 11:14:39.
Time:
10:15:04
